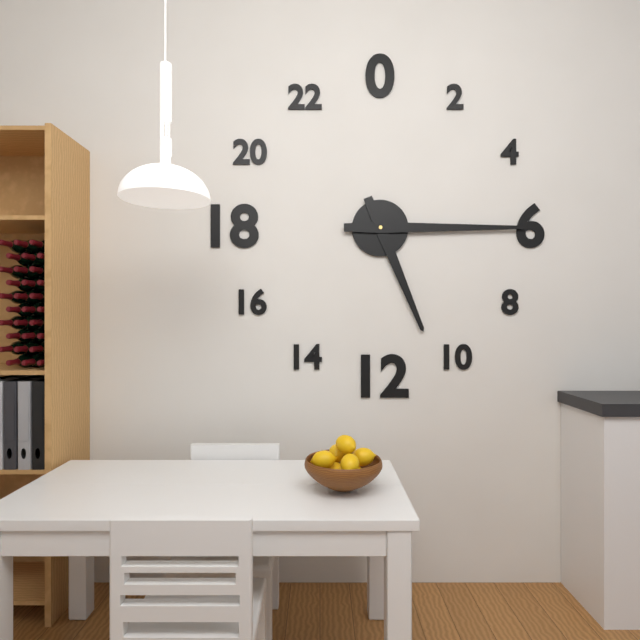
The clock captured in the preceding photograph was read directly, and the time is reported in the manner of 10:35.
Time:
5:15
